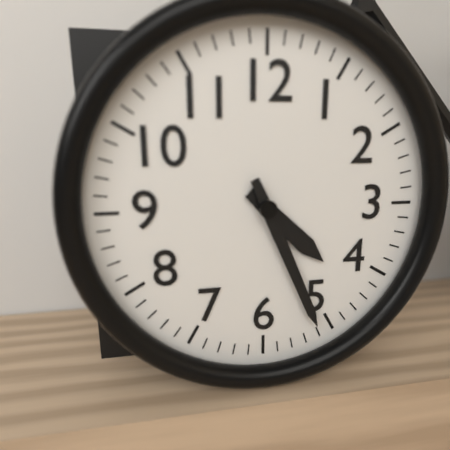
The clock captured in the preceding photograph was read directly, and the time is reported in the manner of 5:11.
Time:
4:26
